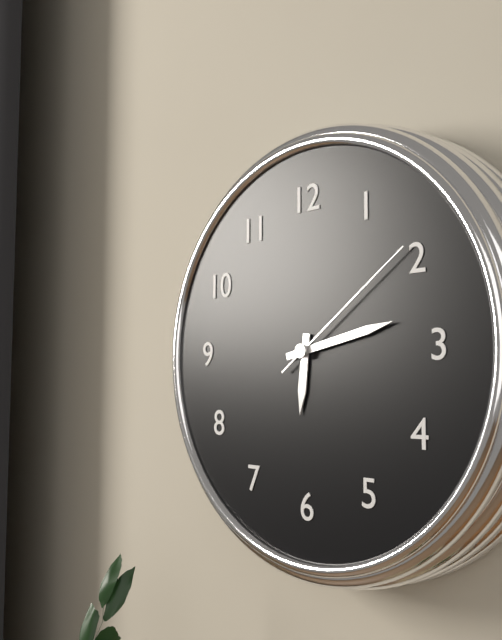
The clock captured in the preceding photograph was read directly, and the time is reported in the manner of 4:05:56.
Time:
6:13:09
